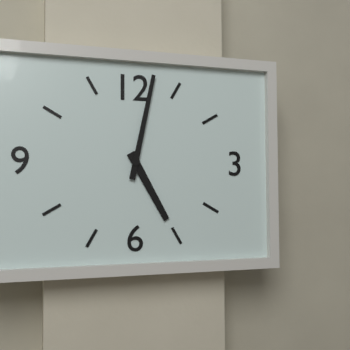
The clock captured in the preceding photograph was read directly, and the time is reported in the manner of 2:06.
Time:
5:02
